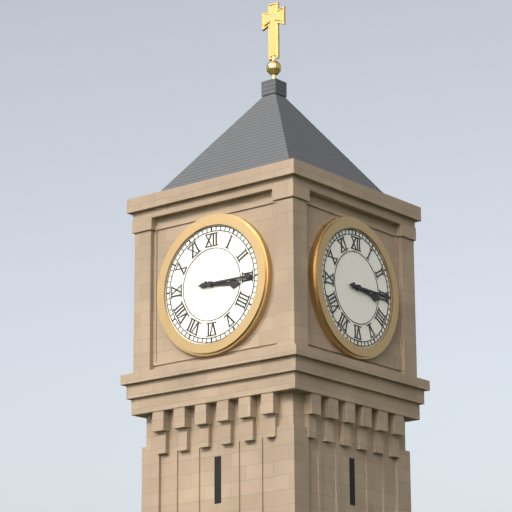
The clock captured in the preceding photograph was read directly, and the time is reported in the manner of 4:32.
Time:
3:15
